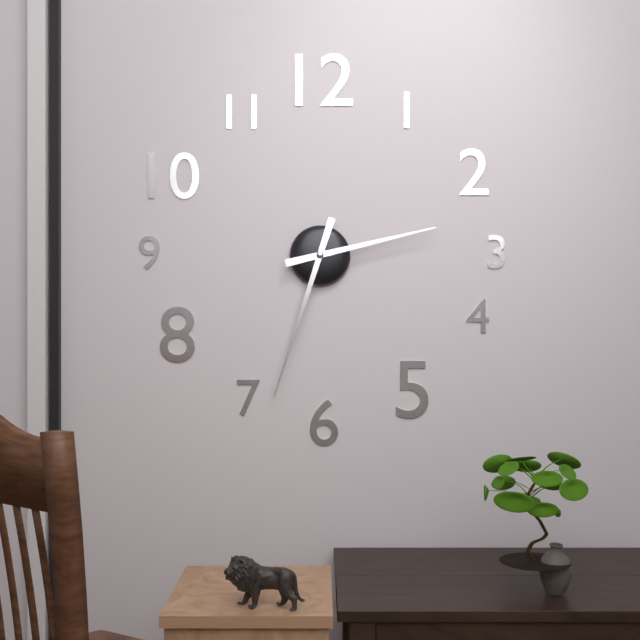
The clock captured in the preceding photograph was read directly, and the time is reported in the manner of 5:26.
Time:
2:33
